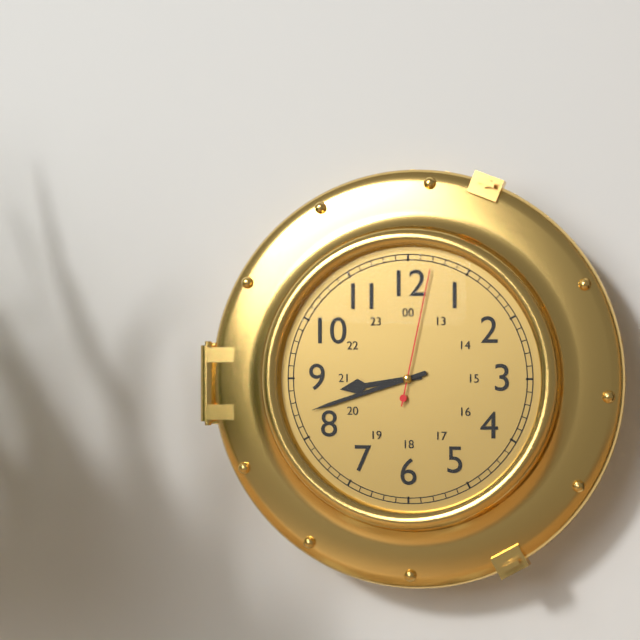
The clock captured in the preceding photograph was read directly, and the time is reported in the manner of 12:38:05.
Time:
8:42:02
